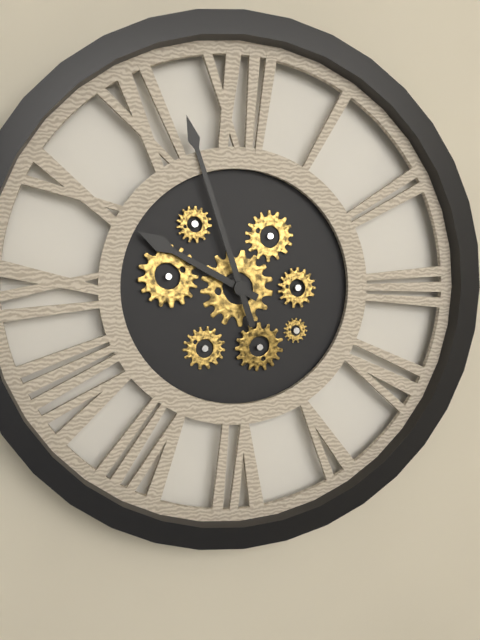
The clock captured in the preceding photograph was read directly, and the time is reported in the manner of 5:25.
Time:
9:57
